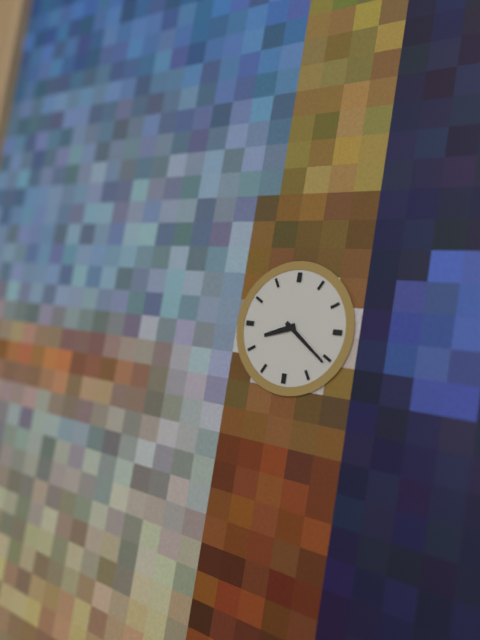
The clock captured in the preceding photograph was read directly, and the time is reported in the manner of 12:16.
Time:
8:21
